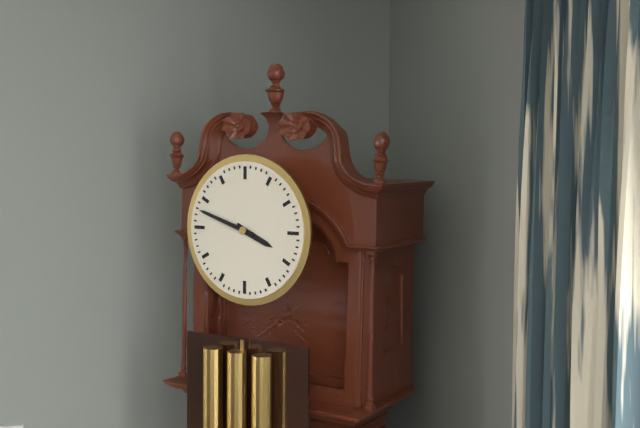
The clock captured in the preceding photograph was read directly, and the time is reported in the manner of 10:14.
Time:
3:48
